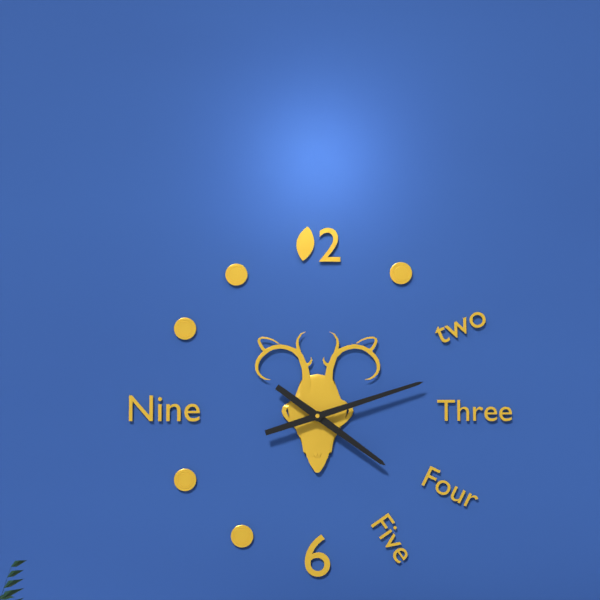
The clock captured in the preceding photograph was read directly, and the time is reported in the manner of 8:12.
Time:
4:12
